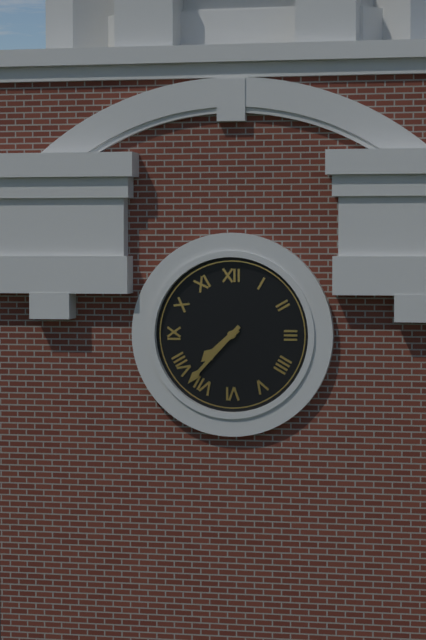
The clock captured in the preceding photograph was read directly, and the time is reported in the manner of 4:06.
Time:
7:37
